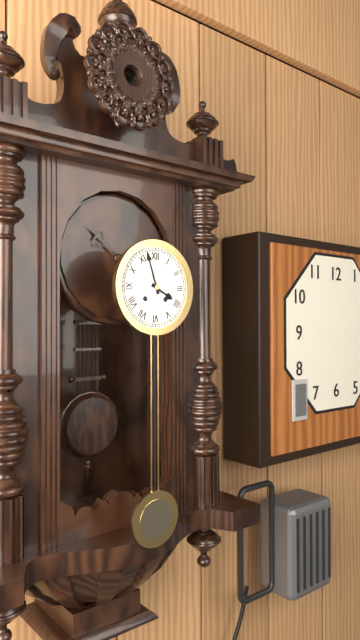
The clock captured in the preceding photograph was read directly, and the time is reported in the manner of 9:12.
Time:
3:57
